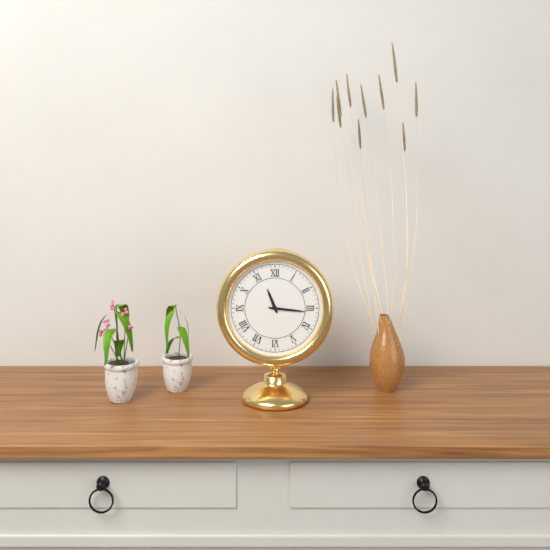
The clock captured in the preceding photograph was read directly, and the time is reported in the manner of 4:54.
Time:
11:16
